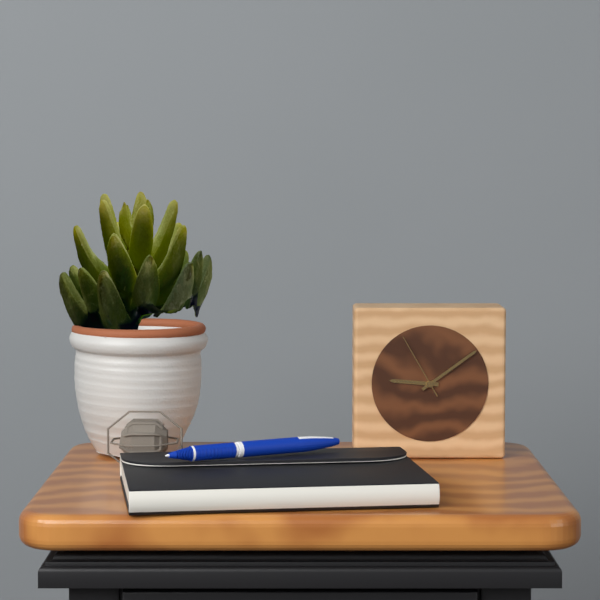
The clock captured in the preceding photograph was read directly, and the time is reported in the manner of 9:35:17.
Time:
9:09:55
